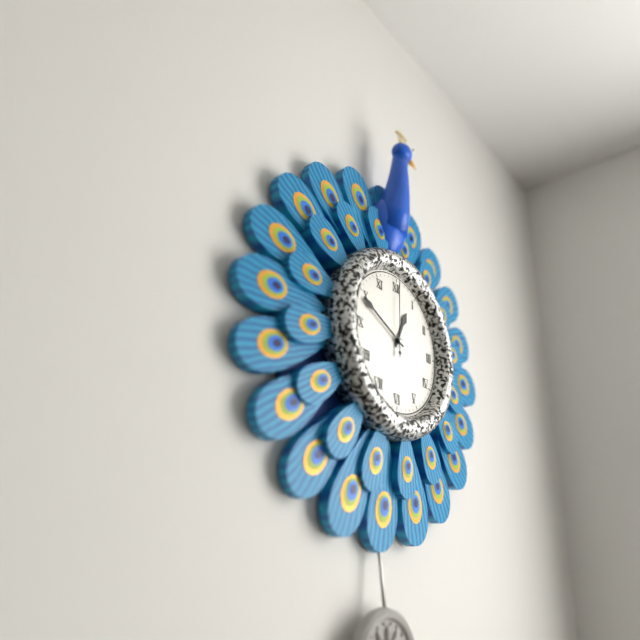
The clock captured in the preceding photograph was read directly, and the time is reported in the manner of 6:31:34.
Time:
12:49:00
